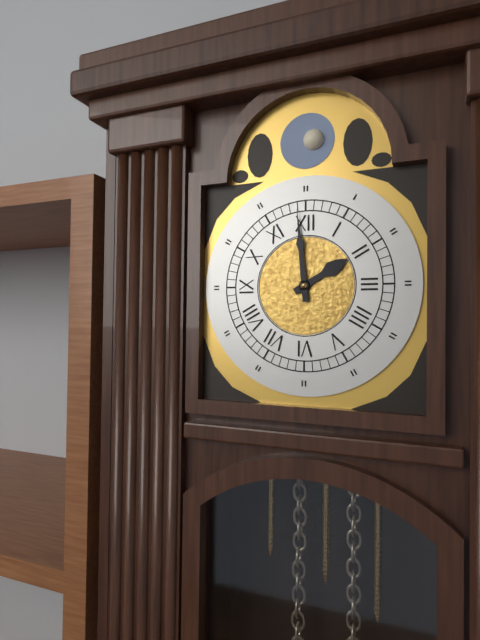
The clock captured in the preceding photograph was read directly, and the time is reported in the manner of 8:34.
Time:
1:59
